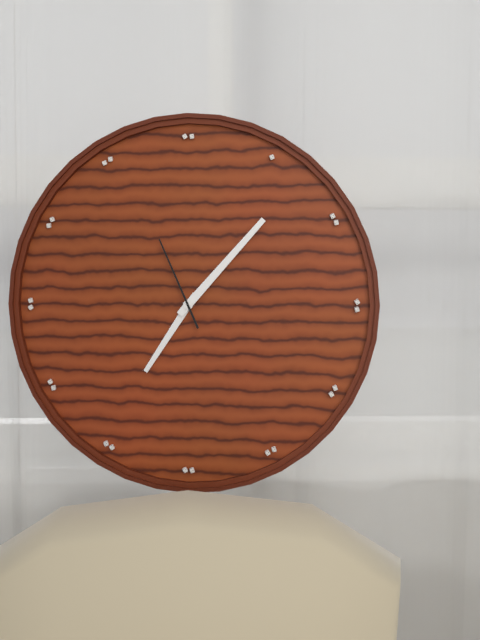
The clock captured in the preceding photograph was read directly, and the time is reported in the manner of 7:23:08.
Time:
7:07:56
